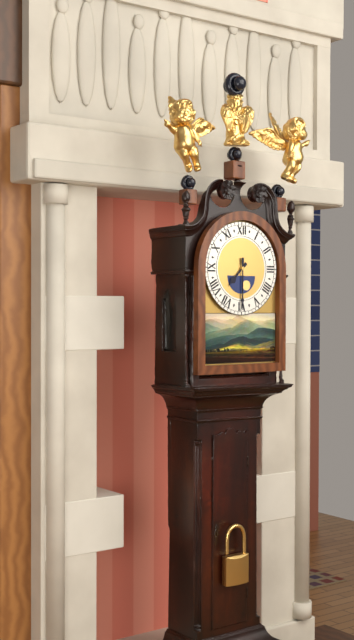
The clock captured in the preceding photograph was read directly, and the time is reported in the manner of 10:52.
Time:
7:30
